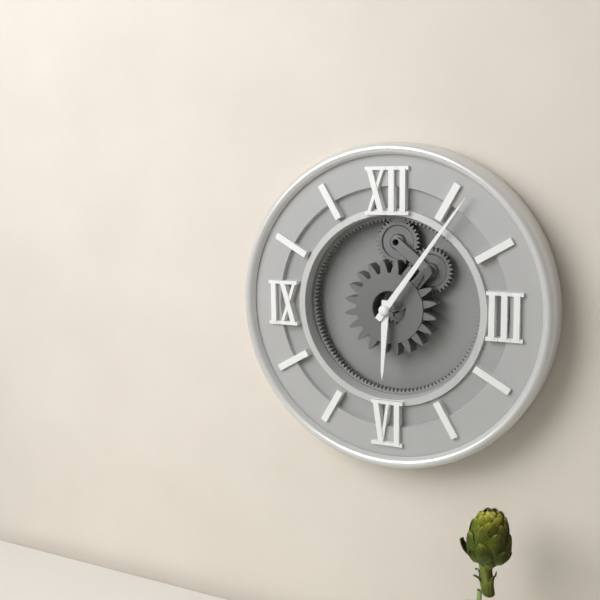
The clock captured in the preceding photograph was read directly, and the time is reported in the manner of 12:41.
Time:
6:06
